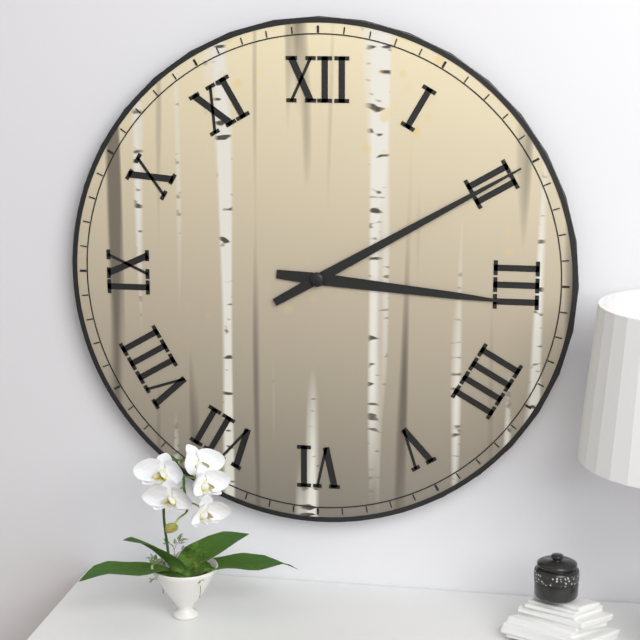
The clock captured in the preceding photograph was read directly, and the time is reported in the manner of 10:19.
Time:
3:10
